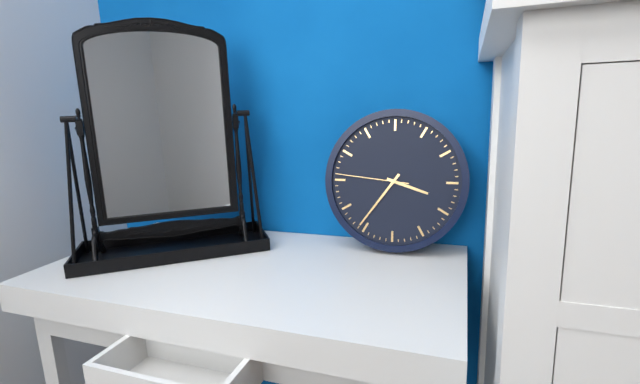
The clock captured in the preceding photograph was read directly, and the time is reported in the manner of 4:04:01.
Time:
3:36:46
